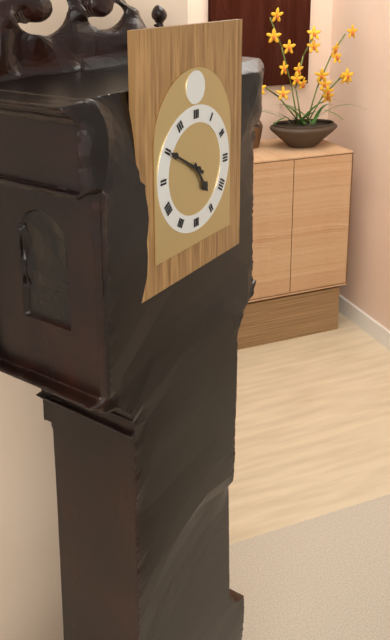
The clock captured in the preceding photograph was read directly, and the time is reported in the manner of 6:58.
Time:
4:50
